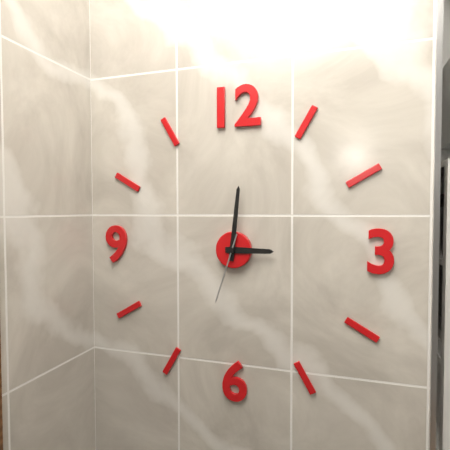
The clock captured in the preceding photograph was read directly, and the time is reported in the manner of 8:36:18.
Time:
3:01:33
